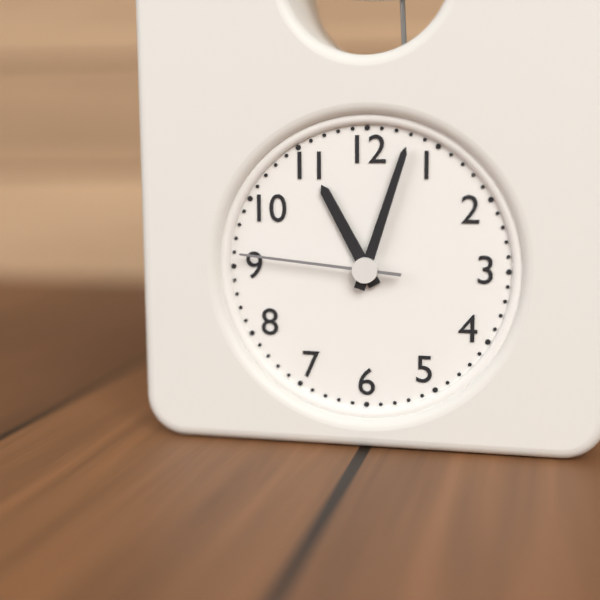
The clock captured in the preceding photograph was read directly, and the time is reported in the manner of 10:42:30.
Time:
11:03:46
